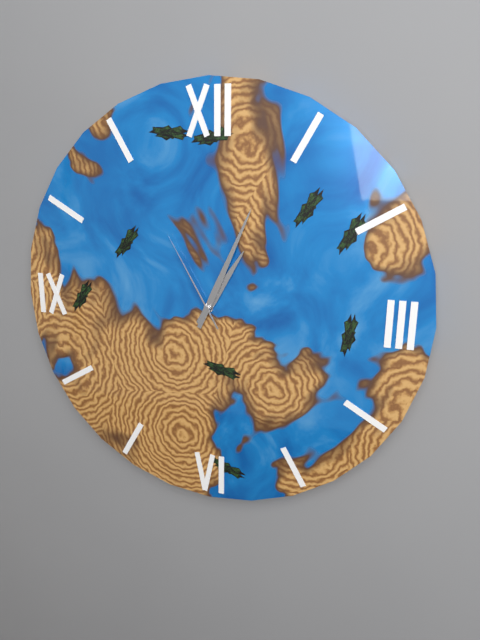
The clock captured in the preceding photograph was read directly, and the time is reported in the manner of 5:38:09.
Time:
1:04:55
